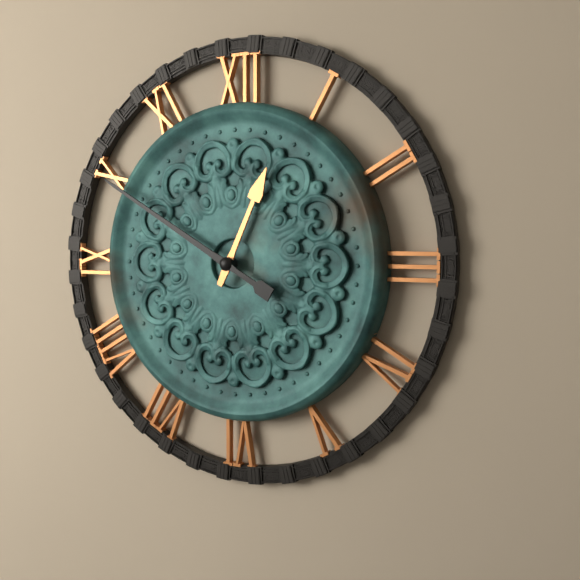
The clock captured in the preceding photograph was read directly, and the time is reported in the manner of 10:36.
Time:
12:50
